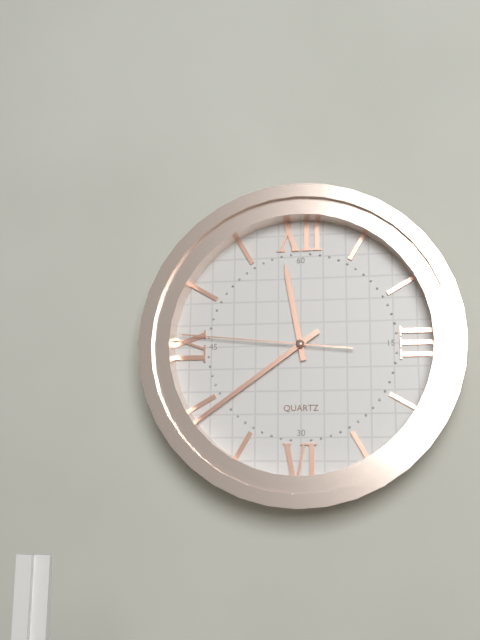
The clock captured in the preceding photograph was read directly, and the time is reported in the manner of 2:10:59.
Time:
11:39:46
